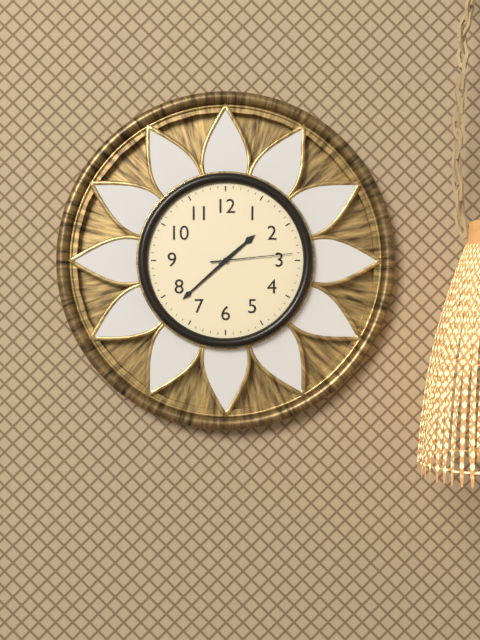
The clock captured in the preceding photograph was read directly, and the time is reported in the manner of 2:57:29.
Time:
1:38:14
